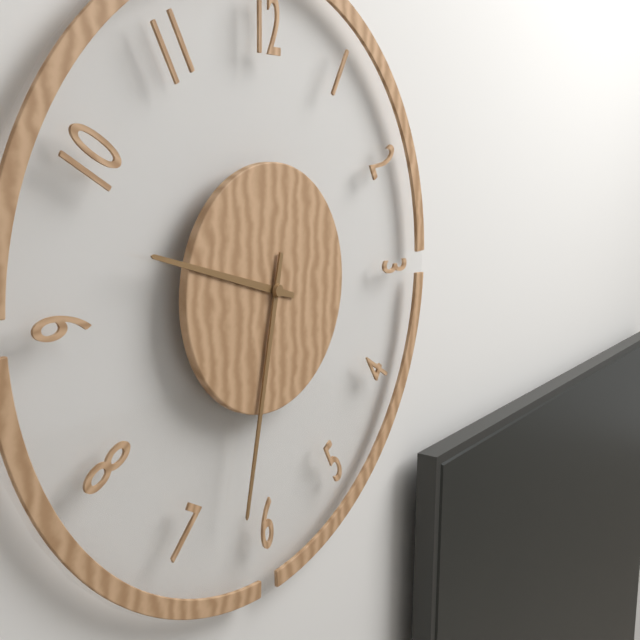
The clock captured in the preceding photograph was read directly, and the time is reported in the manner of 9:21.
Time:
9:32
